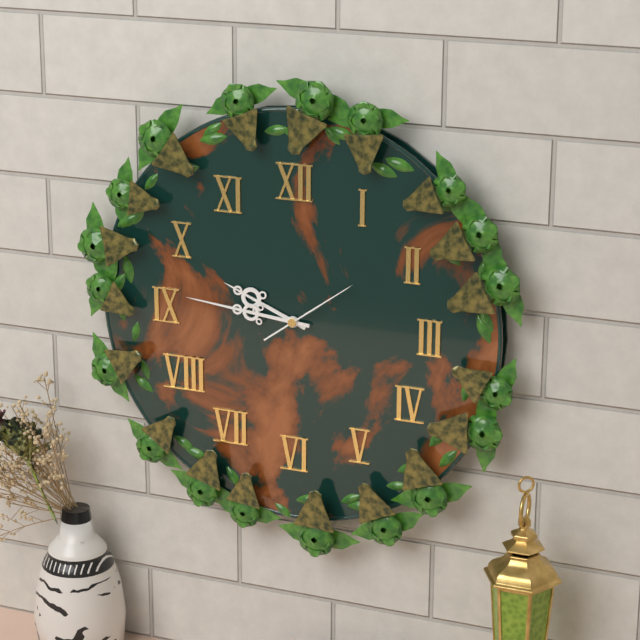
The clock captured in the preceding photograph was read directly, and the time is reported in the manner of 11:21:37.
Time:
9:46:09
